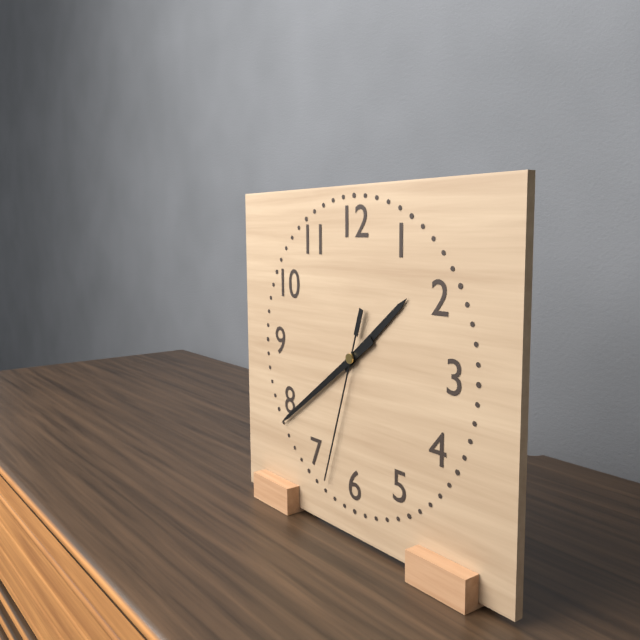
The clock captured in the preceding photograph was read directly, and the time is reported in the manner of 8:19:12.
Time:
1:39:33
